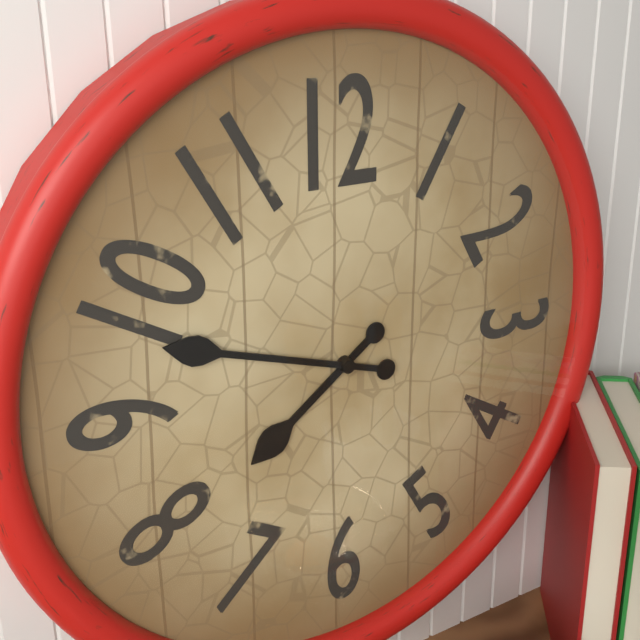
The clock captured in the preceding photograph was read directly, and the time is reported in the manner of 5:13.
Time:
7:48
